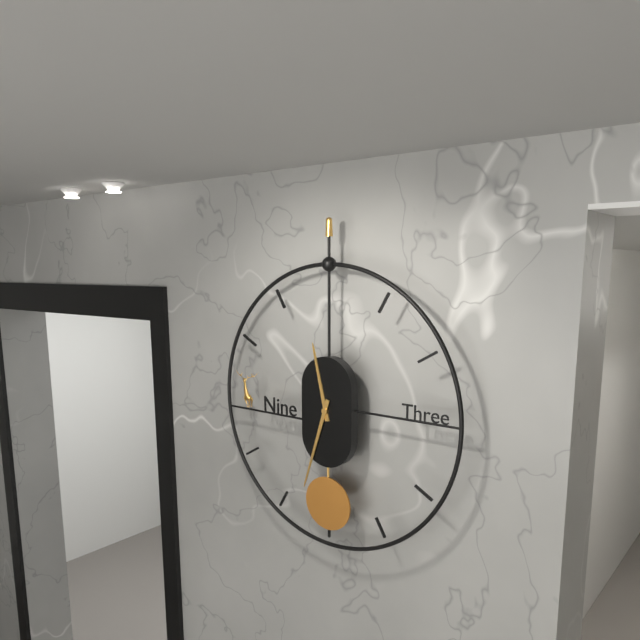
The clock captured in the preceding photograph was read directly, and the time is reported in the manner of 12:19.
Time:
11:33
